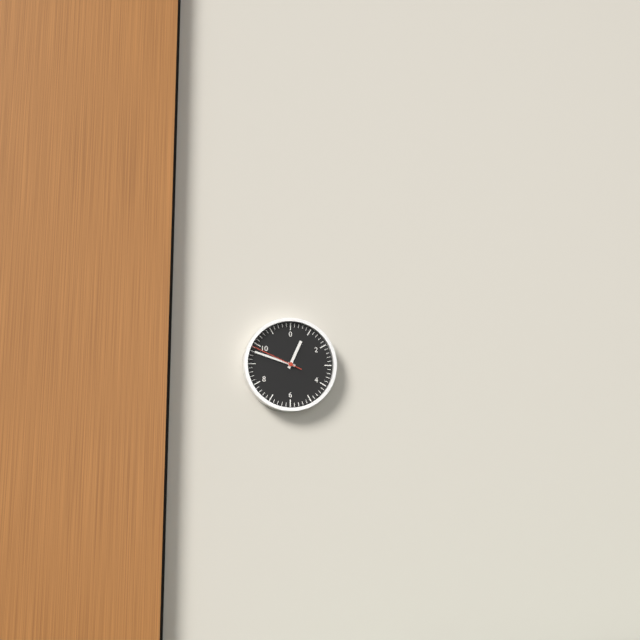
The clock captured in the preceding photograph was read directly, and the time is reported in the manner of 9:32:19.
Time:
12:48:49
